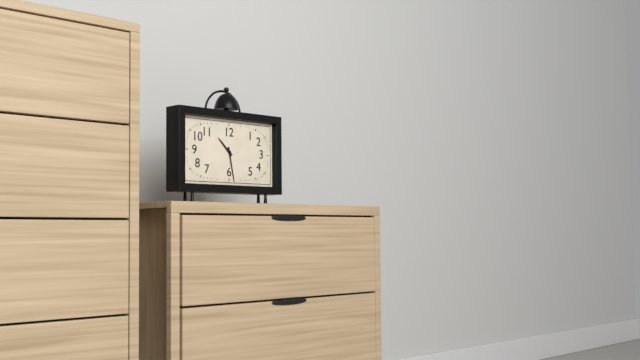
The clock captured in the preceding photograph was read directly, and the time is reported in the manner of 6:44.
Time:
10:28
